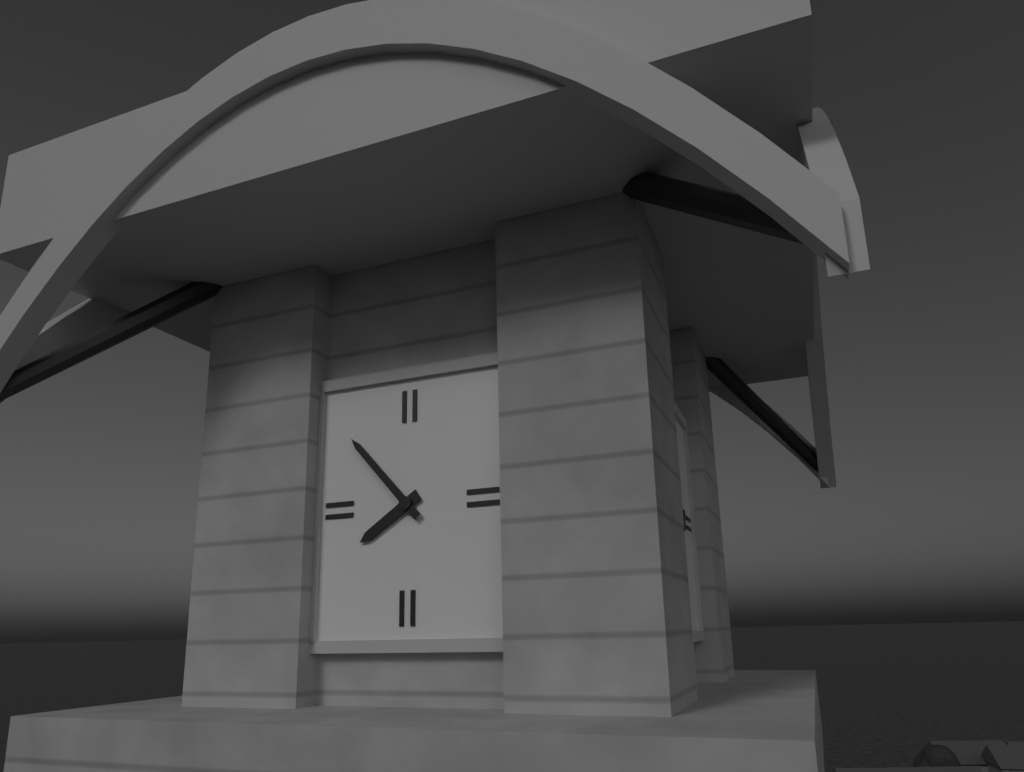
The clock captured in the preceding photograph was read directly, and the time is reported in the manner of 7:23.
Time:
7:53
